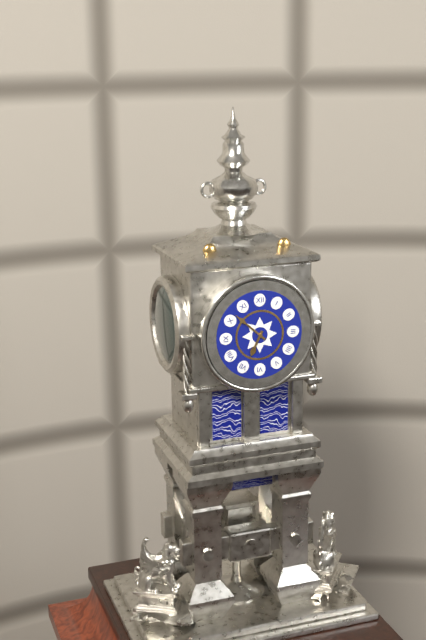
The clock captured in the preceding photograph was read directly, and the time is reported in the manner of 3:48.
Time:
6:52
